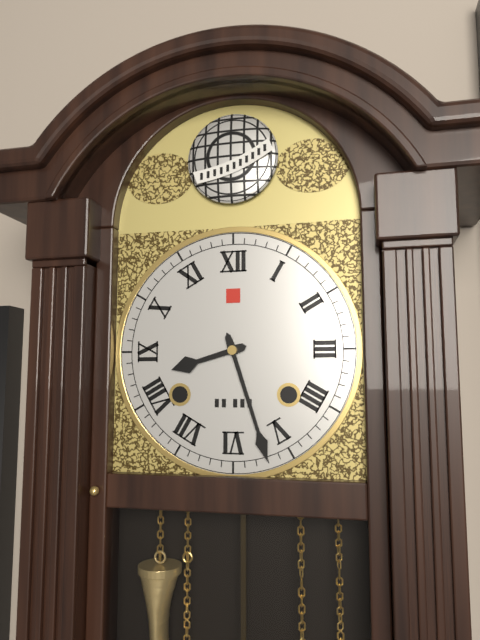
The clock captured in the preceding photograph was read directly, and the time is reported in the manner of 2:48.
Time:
8:27
